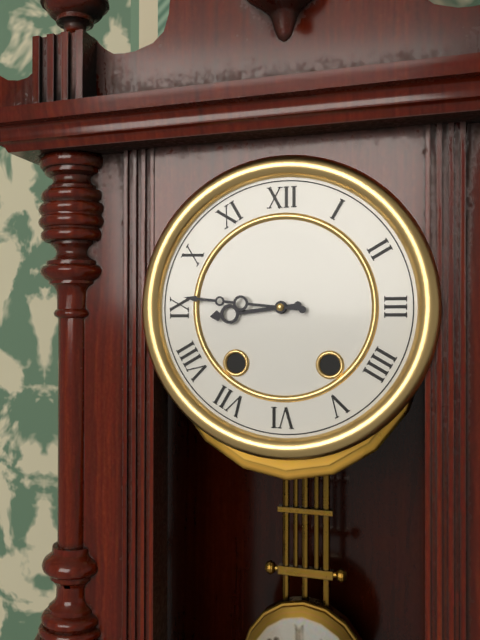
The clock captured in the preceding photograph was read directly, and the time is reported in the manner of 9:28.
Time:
8:46
